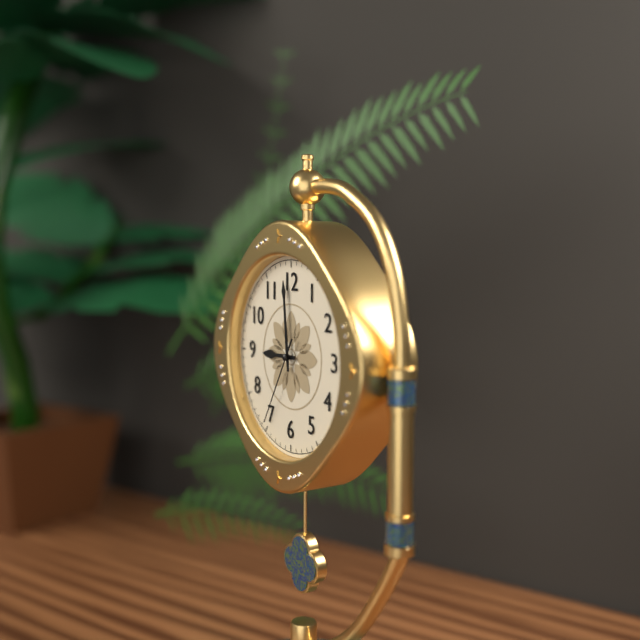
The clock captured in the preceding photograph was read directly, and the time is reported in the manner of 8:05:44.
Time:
8:59:35
